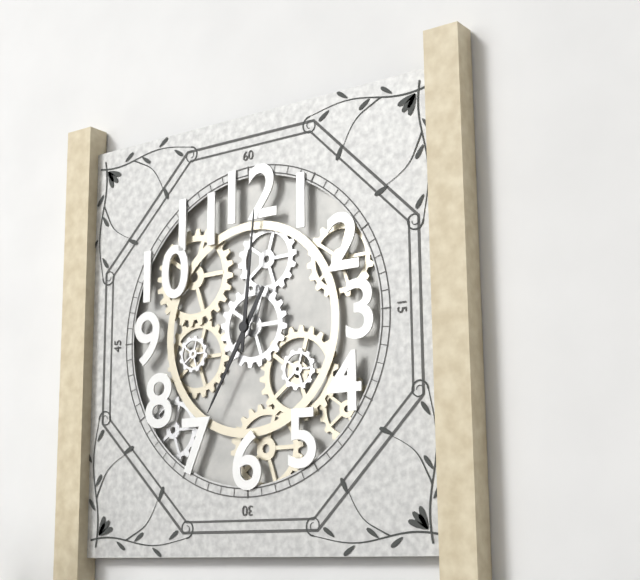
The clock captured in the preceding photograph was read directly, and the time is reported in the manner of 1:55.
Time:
7:01
